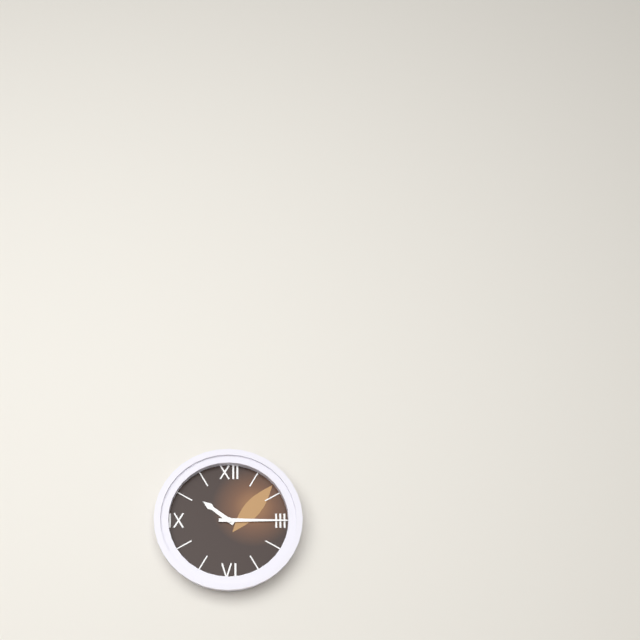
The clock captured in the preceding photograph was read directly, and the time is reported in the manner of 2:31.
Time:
10:15
